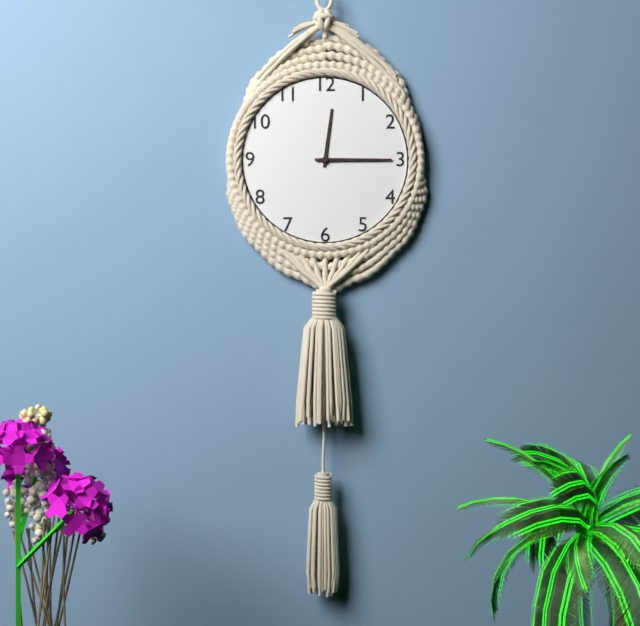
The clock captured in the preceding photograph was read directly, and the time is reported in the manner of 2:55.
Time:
12:15
